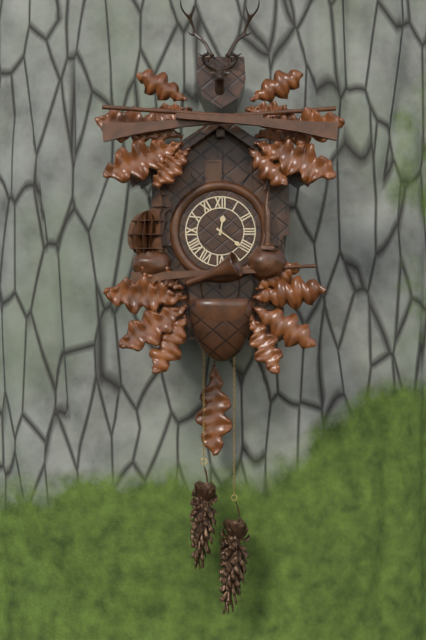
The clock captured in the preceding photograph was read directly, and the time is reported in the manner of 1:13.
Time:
12:21
